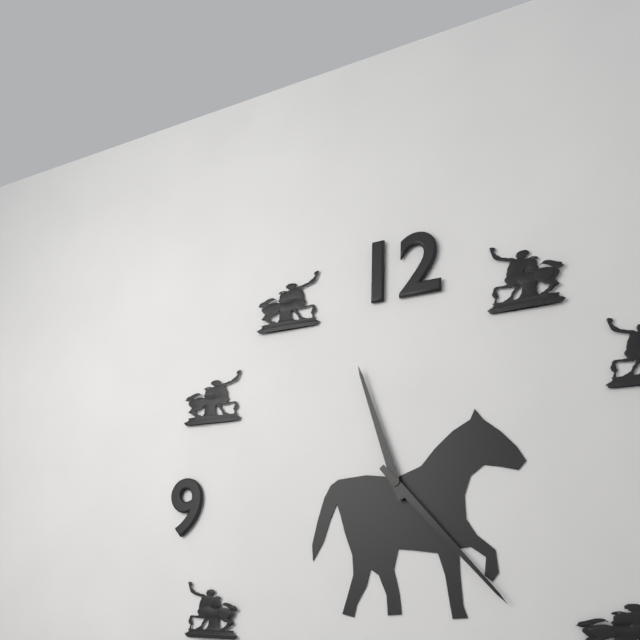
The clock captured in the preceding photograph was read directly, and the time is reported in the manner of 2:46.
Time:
11:23
